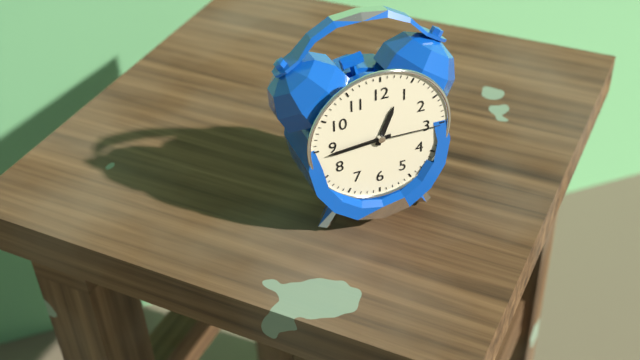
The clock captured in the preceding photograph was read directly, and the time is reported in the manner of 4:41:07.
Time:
12:44:15
